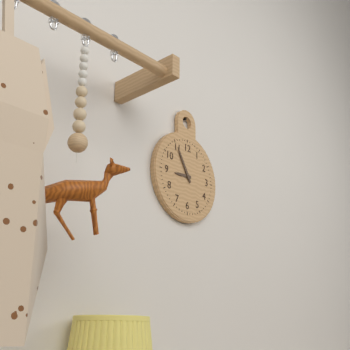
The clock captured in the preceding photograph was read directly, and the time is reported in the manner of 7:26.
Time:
8:55
